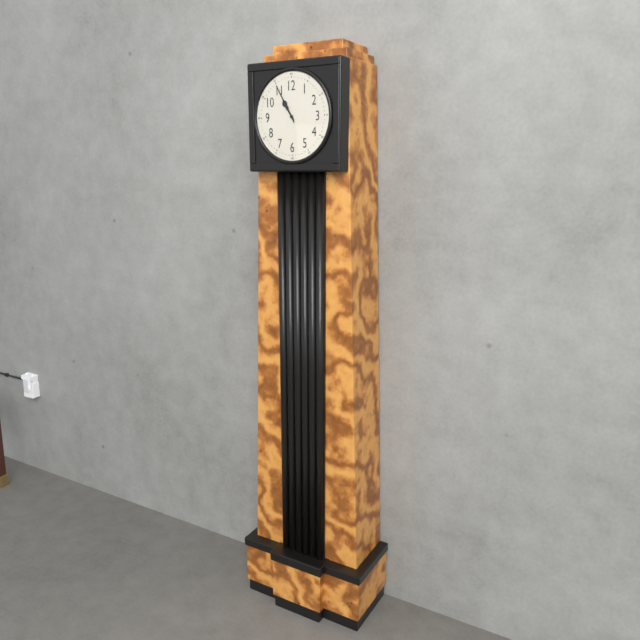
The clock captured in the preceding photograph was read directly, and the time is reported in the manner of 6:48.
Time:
10:55
